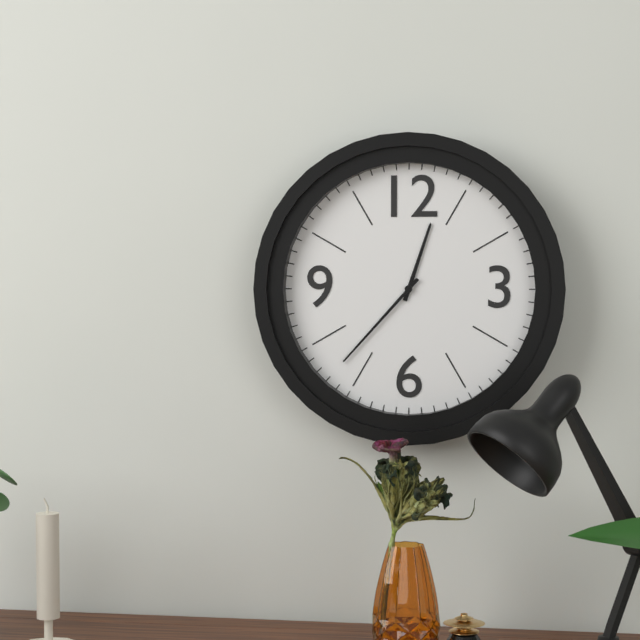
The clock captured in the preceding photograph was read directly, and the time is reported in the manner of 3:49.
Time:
12:37
